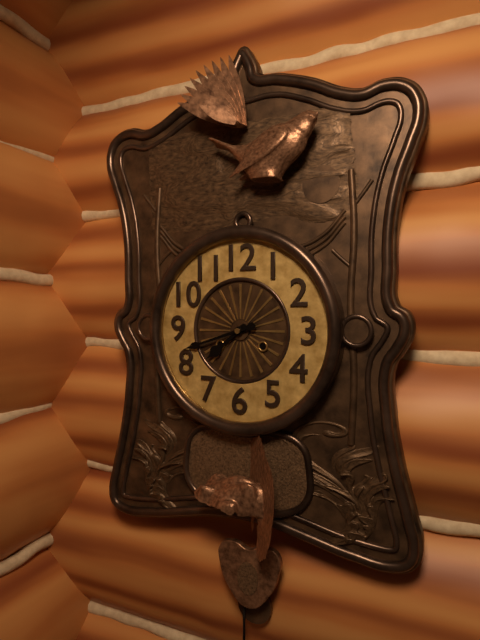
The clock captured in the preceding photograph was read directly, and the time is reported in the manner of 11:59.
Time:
7:42
